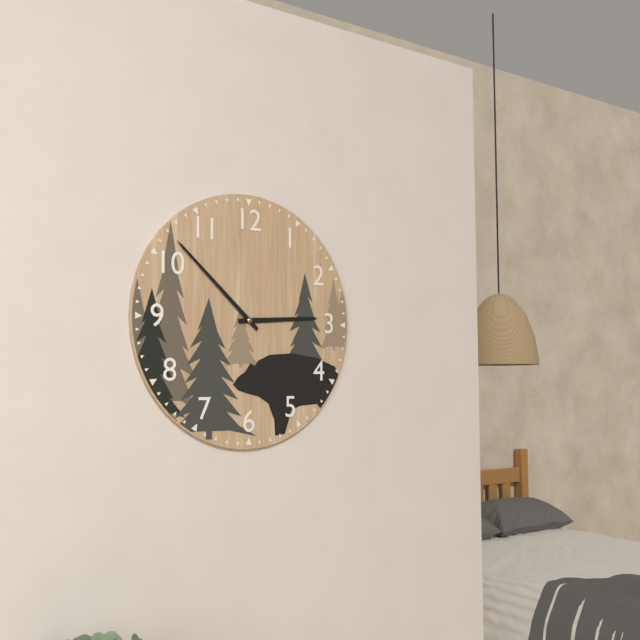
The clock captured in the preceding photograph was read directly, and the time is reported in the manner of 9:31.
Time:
2:52
